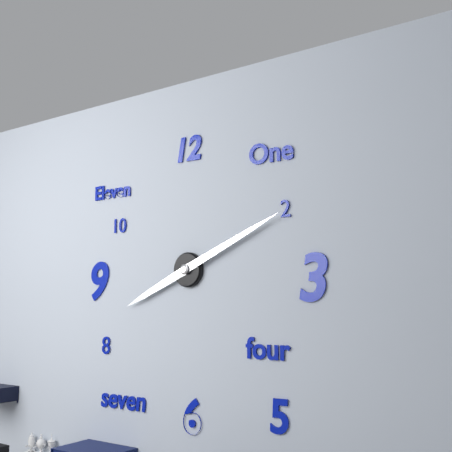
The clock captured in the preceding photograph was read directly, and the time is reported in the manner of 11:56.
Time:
8:11
